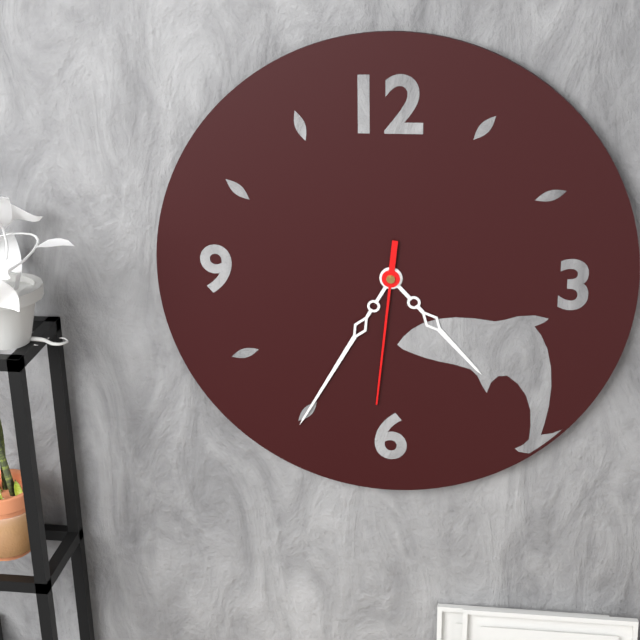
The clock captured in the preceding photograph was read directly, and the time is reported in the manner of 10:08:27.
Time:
4:35:31
